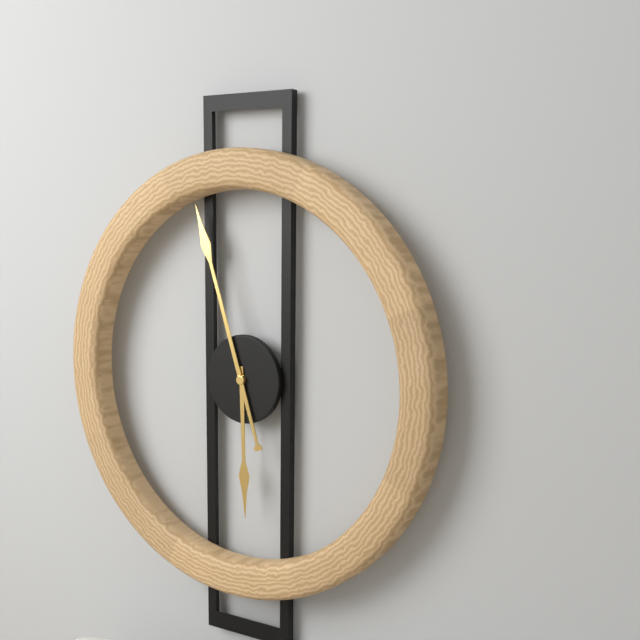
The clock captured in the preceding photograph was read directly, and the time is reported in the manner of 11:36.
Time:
5:57
